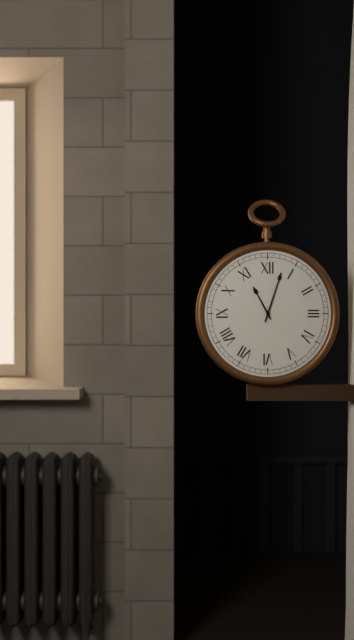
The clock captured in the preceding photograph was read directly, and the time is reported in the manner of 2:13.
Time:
11:03
